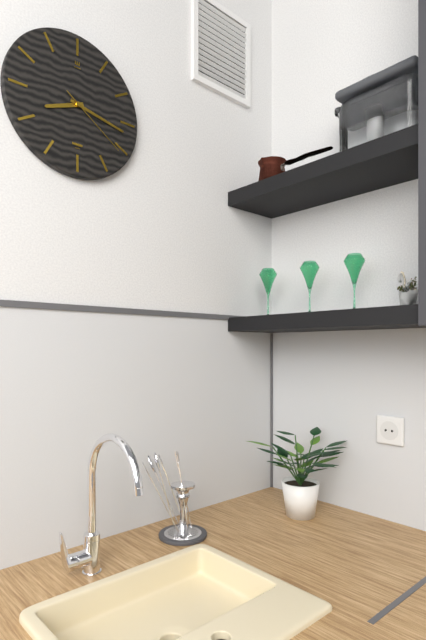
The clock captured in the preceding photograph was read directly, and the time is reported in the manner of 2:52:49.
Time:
8:17:21
